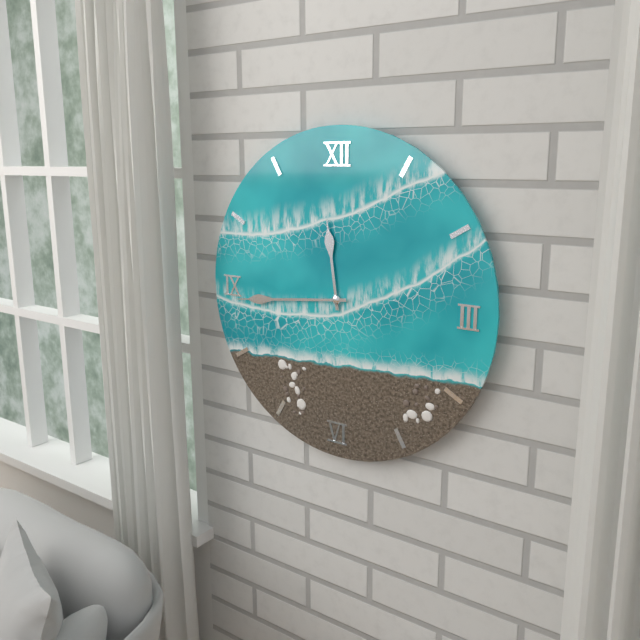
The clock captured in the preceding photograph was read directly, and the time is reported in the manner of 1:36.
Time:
11:44
